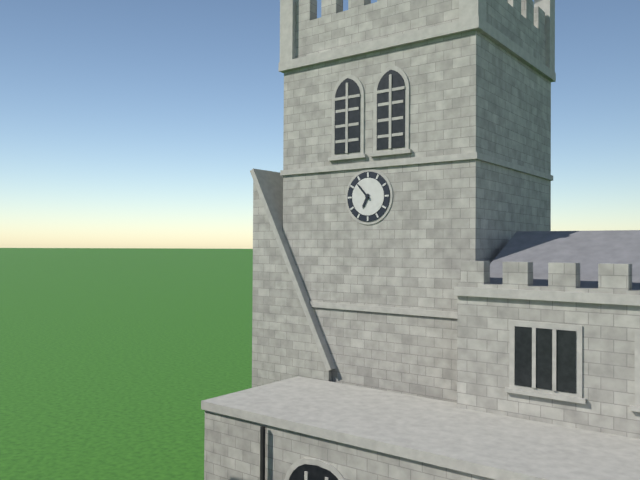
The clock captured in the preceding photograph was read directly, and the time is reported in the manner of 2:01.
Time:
6:53
